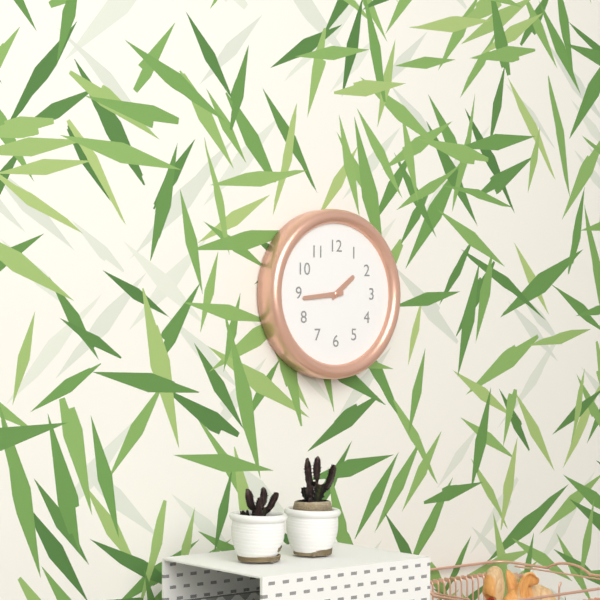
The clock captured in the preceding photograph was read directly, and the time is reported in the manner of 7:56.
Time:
1:44
